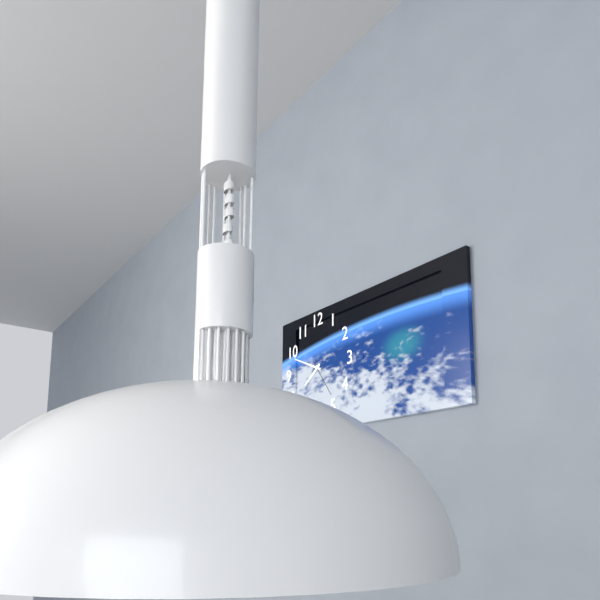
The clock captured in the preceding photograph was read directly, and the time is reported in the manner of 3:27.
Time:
7:49
